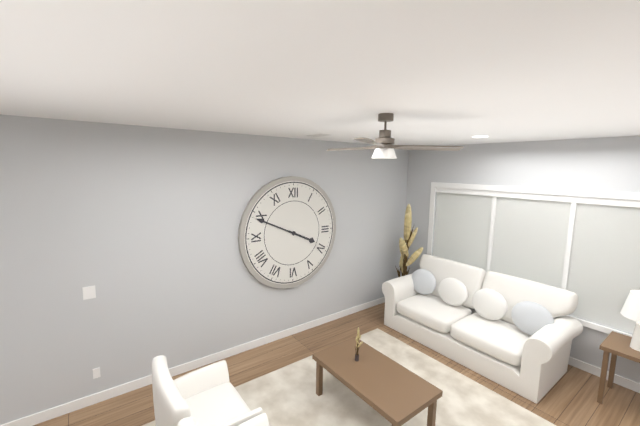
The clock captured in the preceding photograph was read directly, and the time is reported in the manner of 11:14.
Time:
3:49
